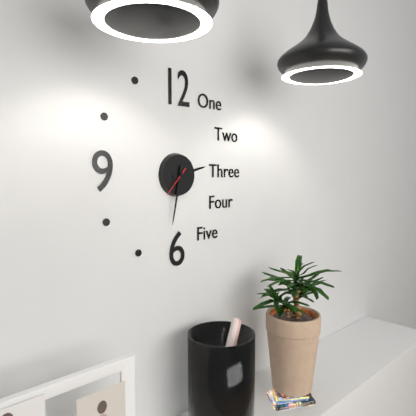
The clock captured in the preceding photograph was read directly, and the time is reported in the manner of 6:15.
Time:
2:32
